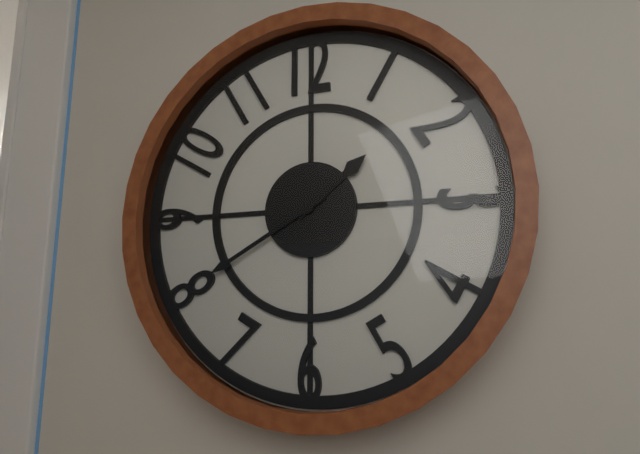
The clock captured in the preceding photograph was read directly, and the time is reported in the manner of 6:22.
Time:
1:40
